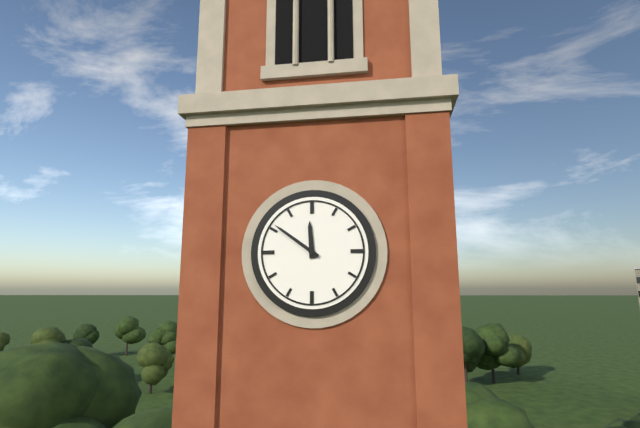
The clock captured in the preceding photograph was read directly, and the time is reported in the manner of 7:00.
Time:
11:51
